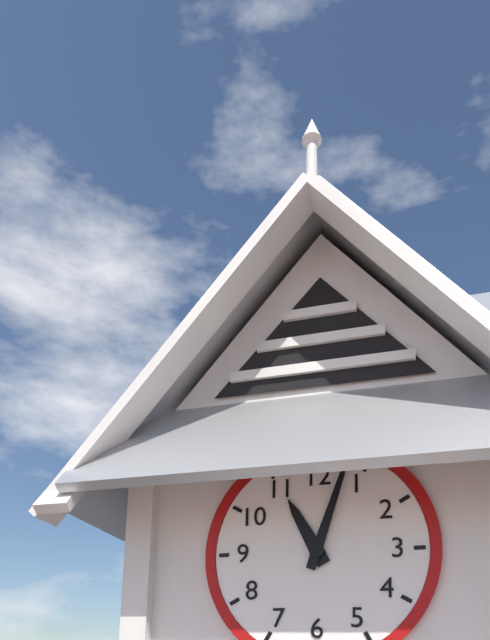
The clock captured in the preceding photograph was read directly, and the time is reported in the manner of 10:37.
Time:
11:03
